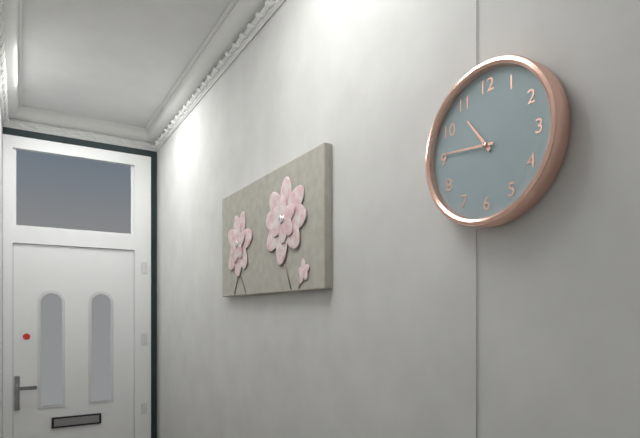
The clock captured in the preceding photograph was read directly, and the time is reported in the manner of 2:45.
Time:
10:46
